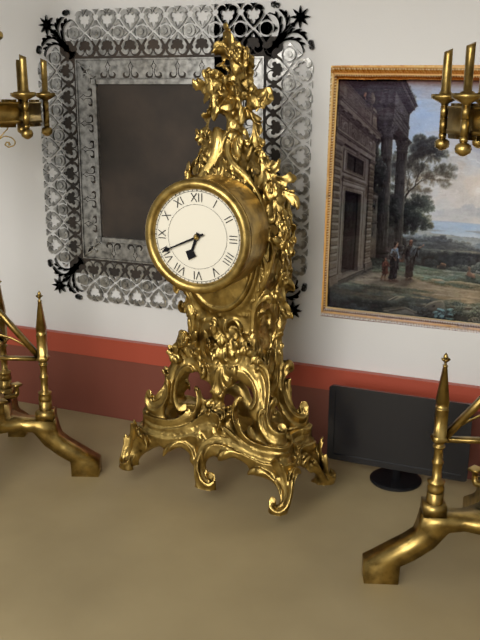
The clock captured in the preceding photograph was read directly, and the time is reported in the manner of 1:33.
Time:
6:41
